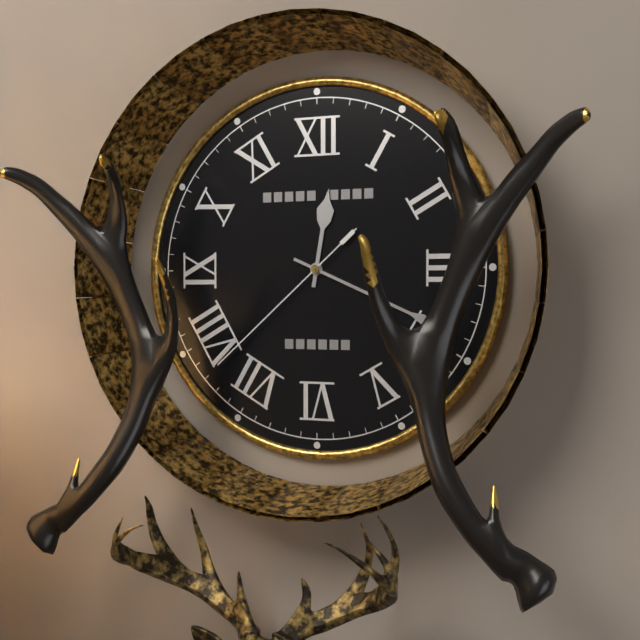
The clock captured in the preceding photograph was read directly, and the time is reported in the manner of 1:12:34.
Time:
12:19:38
